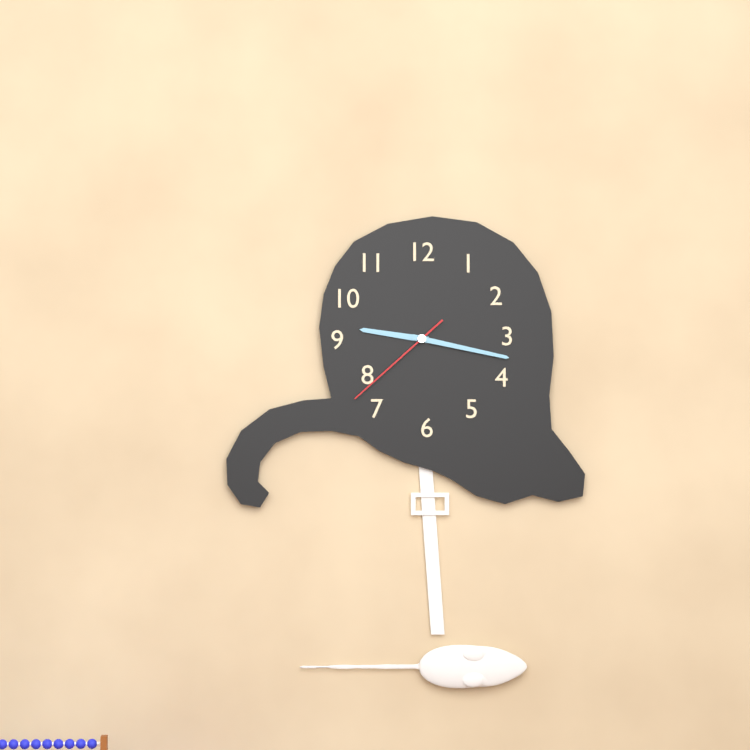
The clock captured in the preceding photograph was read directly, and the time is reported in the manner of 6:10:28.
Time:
9:17:38
